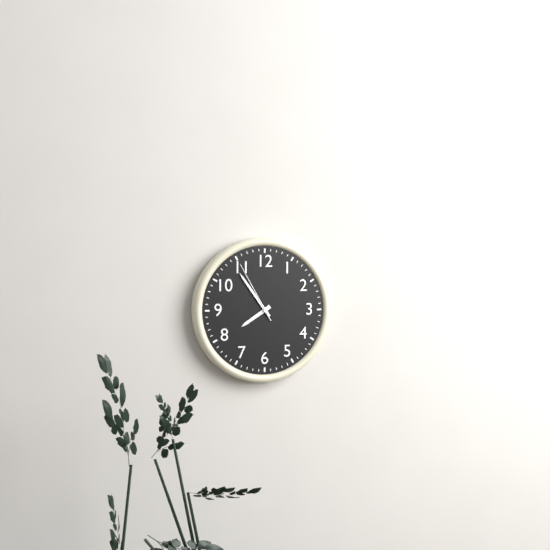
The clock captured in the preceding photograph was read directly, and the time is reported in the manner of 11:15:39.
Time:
7:54:55
